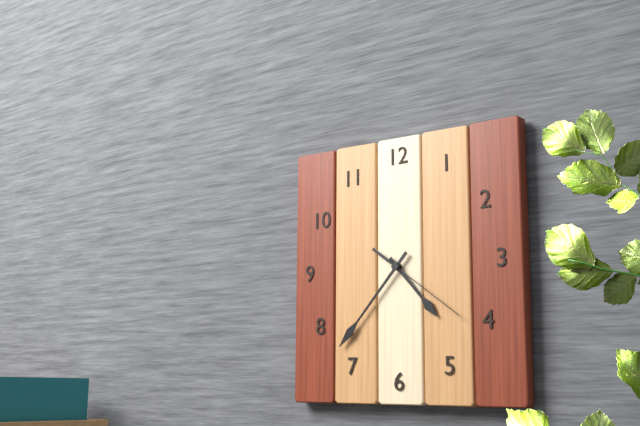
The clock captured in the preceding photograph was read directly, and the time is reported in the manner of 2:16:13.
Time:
4:37:21
